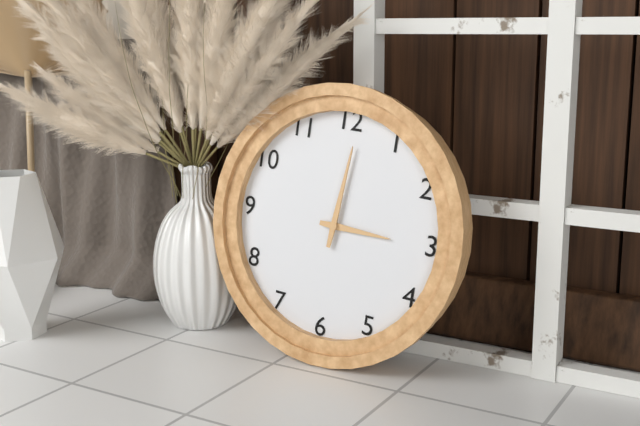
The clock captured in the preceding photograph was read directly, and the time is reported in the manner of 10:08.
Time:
3:01
